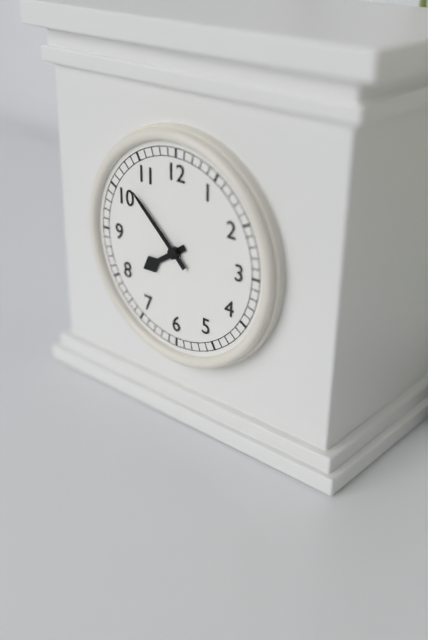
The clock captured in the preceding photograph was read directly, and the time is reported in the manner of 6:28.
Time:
7:52
